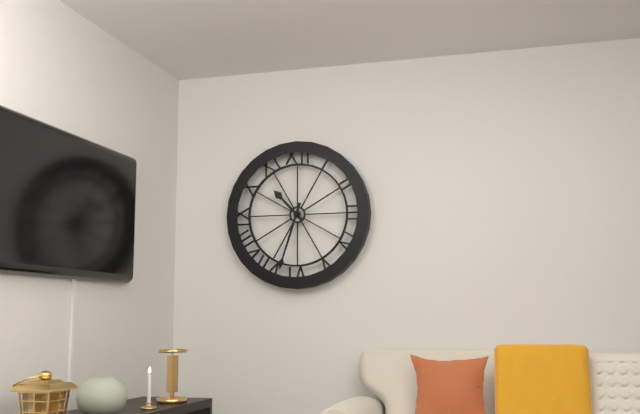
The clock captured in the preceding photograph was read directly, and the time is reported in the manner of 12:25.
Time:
10:33
